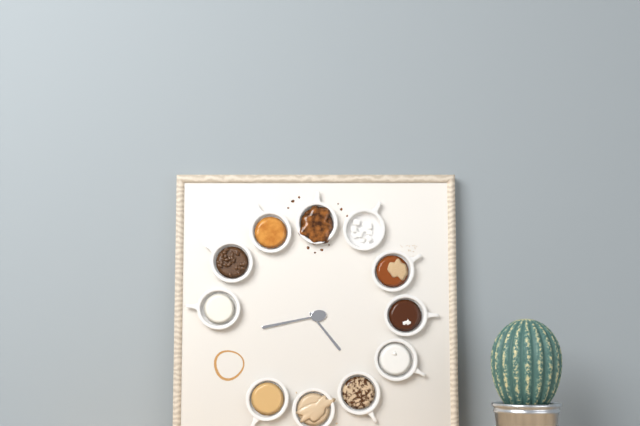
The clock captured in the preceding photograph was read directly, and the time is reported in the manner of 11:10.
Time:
4:43
